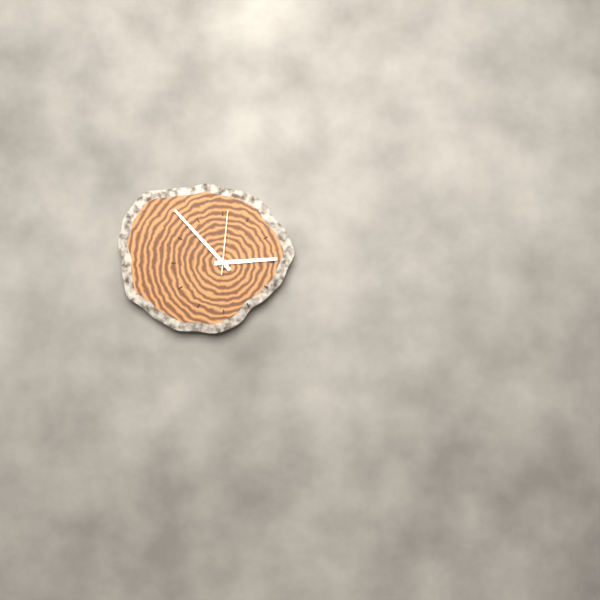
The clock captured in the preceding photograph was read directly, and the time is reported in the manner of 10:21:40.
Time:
2:53:01
